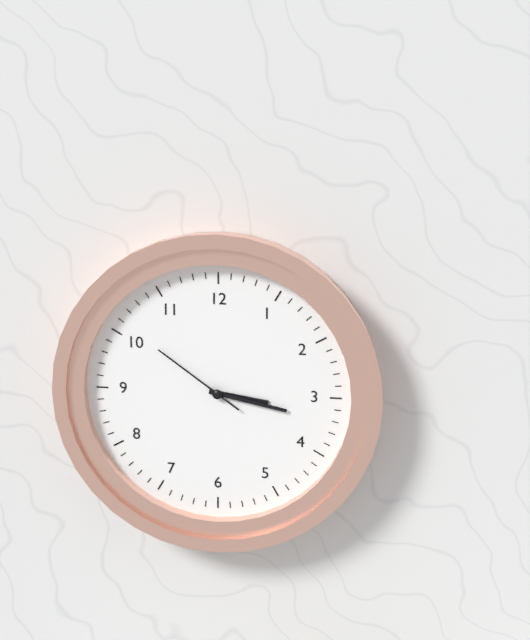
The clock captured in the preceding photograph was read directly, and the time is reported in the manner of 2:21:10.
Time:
3:17:51
